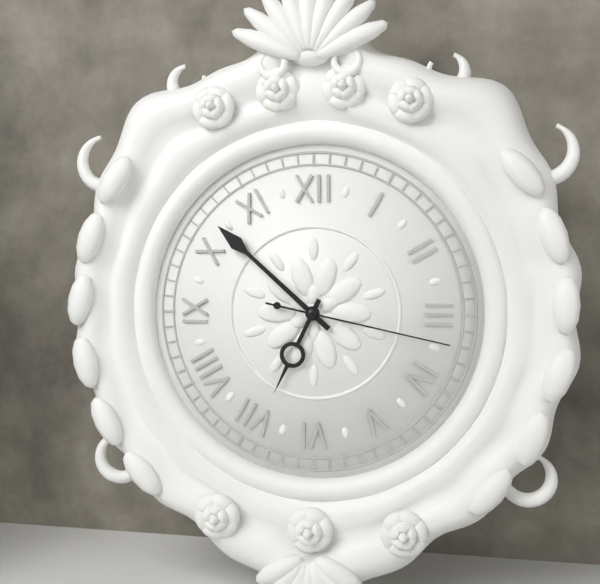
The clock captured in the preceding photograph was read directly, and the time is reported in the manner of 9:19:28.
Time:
6:52:17
